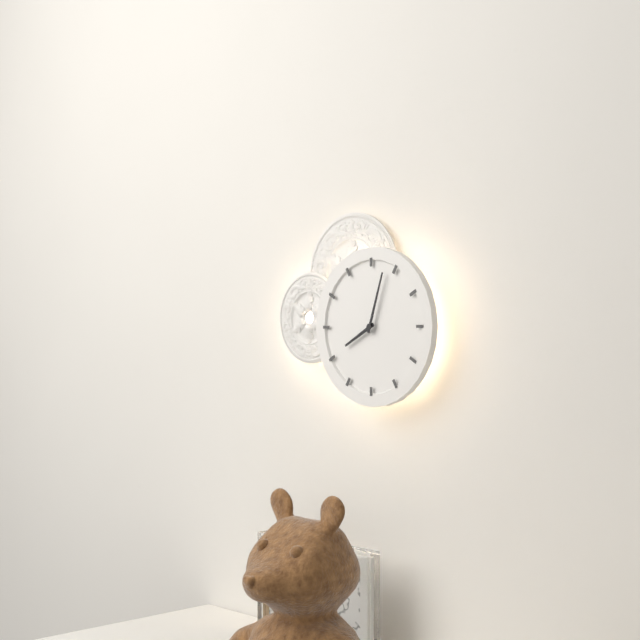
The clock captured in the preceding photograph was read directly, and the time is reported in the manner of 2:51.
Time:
8:03
